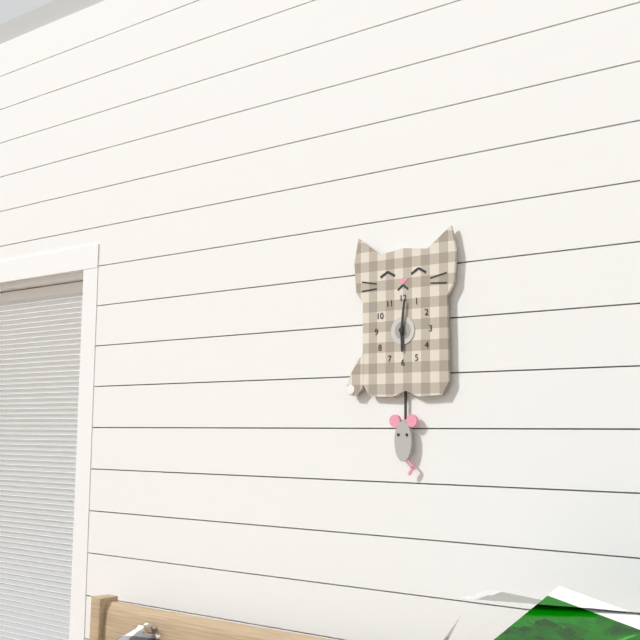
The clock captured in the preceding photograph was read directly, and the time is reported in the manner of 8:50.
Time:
6:01
